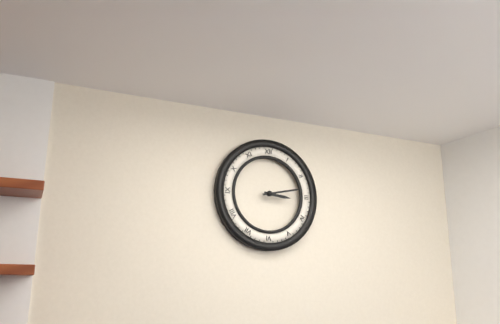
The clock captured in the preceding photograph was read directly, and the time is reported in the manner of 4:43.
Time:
3:13
